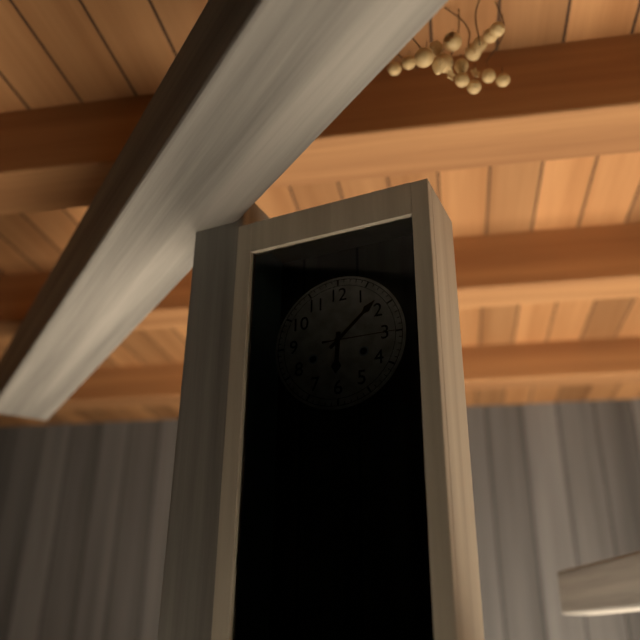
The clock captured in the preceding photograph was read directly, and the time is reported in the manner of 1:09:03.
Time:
6:08:15
